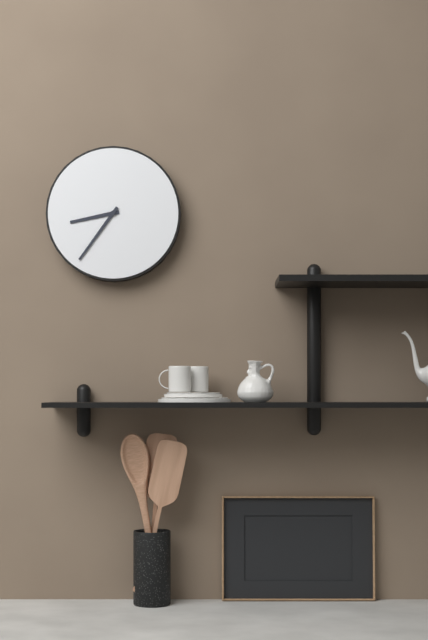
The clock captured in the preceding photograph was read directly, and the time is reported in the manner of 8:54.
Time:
8:36
